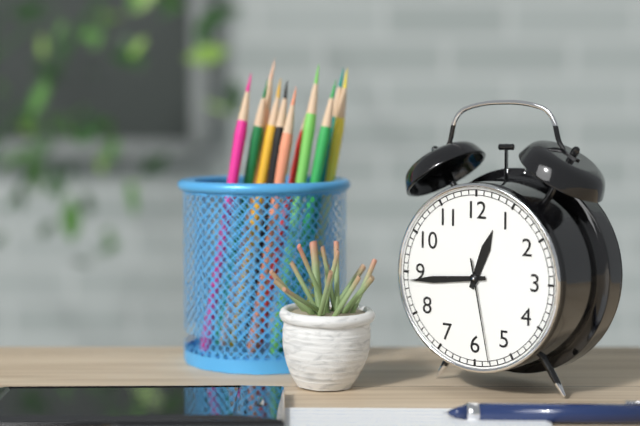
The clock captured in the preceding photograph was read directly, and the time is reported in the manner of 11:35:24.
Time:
12:44:28
